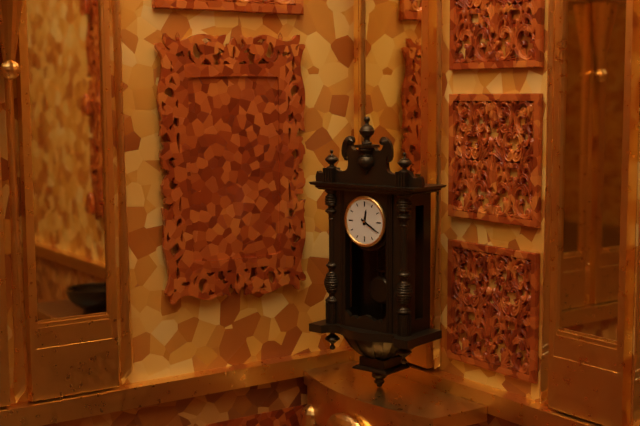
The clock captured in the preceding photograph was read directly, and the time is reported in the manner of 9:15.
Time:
12:20
